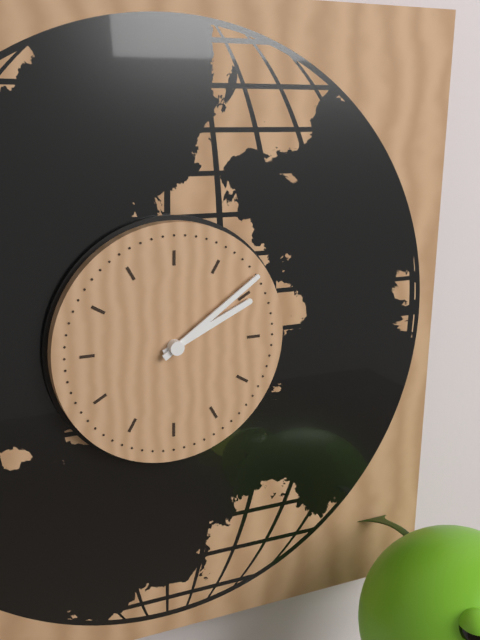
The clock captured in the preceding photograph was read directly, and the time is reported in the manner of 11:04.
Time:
2:09
